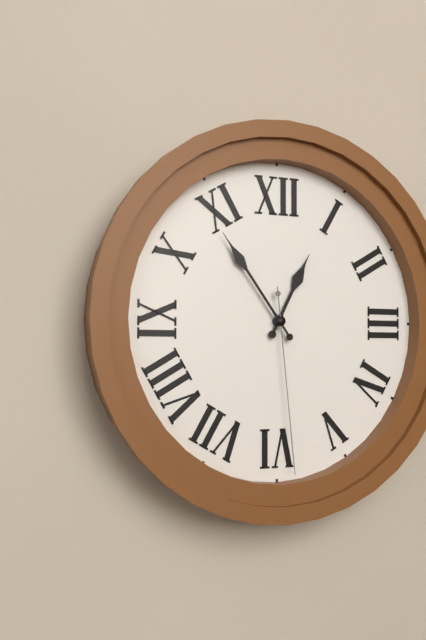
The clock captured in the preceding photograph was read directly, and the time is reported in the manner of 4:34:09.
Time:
12:54:29
